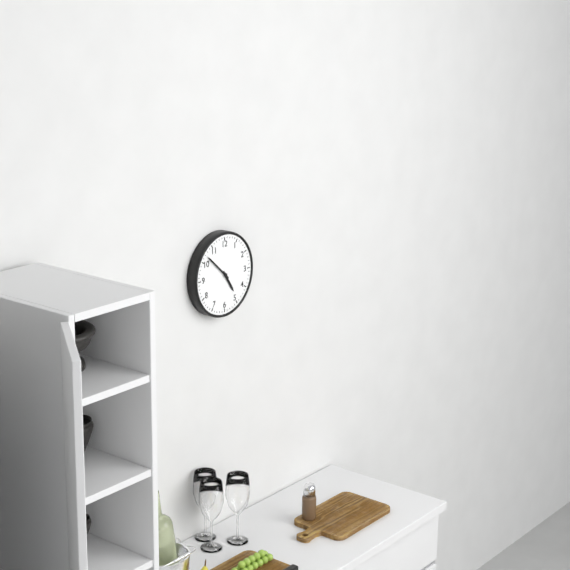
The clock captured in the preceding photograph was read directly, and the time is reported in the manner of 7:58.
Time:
4:52
